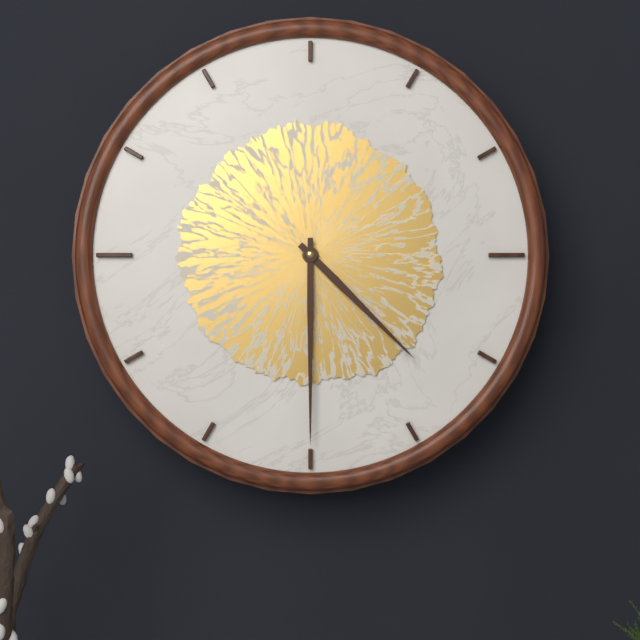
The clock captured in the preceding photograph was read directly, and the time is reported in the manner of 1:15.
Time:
4:30
